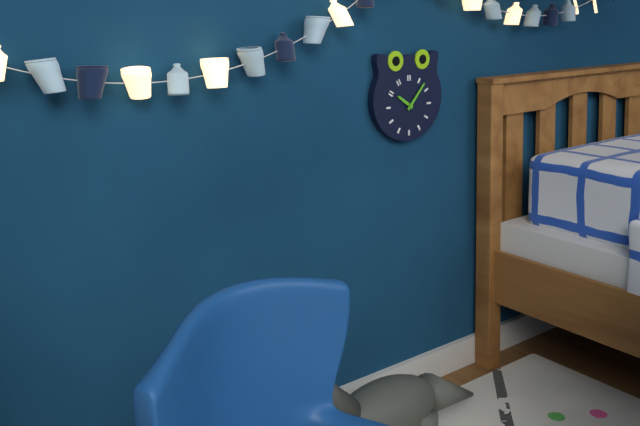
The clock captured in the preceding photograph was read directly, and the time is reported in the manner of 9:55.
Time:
10:07
